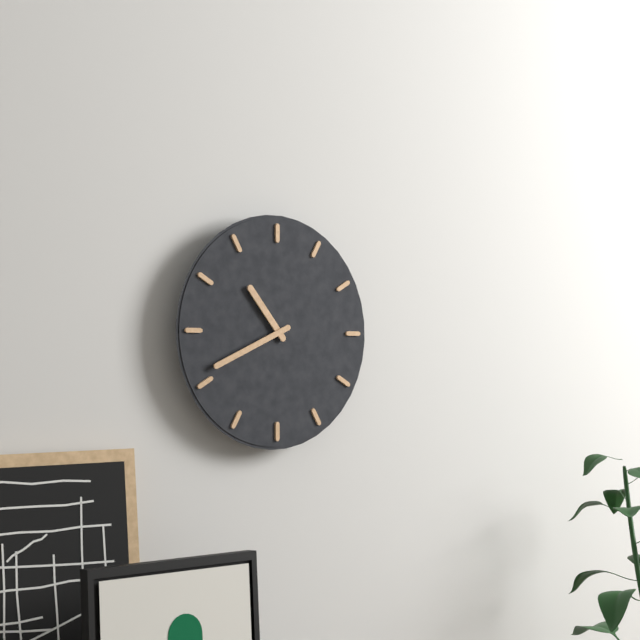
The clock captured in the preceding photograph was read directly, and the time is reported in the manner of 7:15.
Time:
10:41
